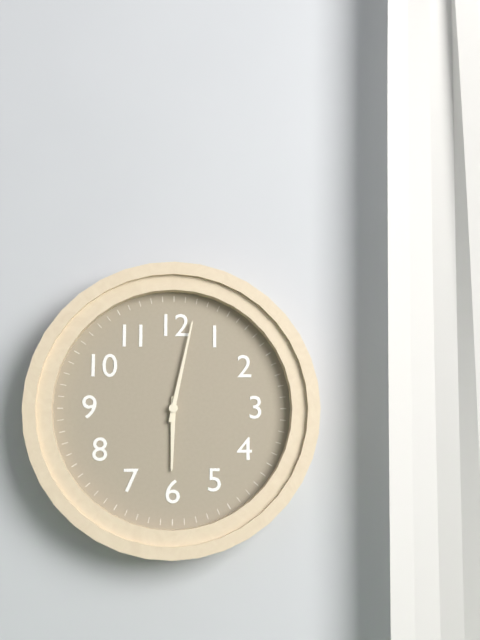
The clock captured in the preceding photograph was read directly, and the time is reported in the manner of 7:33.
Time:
6:02
